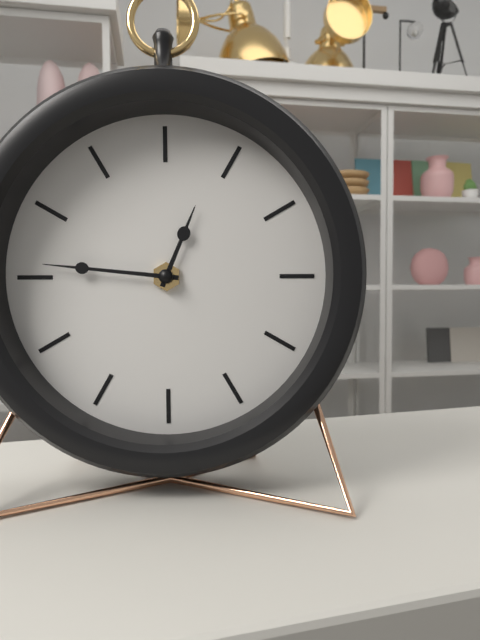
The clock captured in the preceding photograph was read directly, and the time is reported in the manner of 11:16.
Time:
12:46
